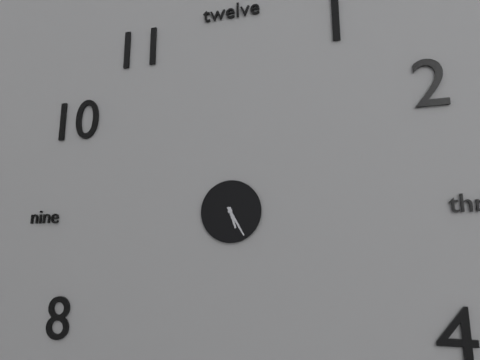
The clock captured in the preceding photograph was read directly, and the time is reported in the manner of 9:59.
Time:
5:25
